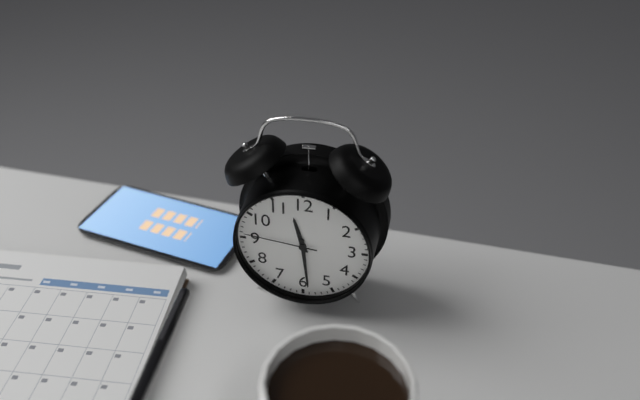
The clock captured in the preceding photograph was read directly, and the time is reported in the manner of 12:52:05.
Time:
11:29:46
